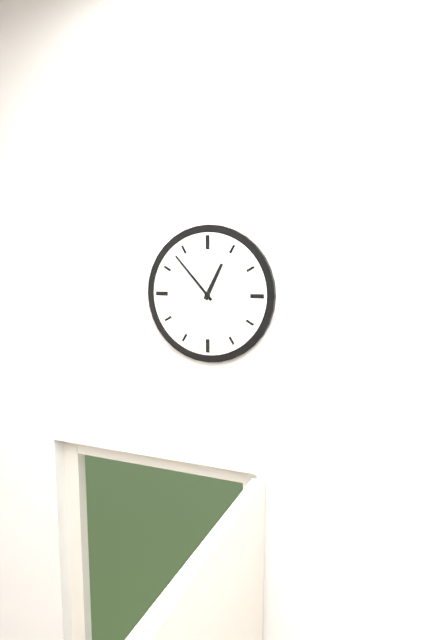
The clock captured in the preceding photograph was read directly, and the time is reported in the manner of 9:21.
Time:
12:53
